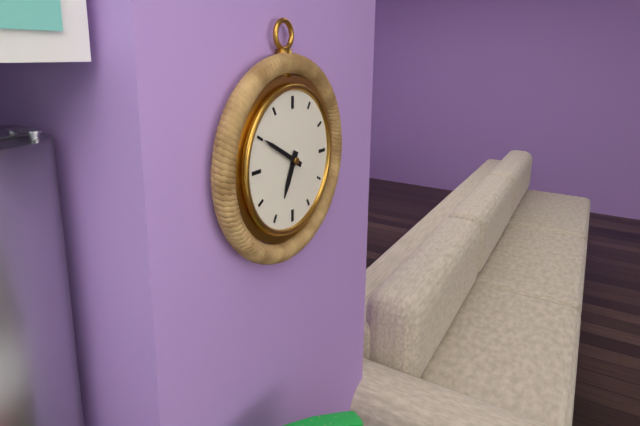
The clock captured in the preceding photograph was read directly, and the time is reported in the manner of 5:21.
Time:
6:50
